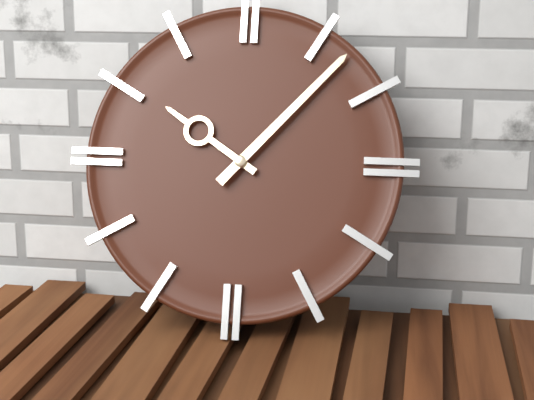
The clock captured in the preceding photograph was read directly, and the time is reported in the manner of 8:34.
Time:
10:07
